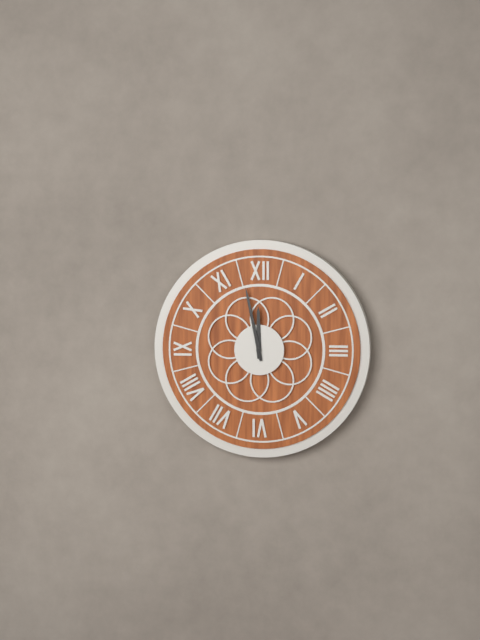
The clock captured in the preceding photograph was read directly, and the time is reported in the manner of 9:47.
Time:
11:58
